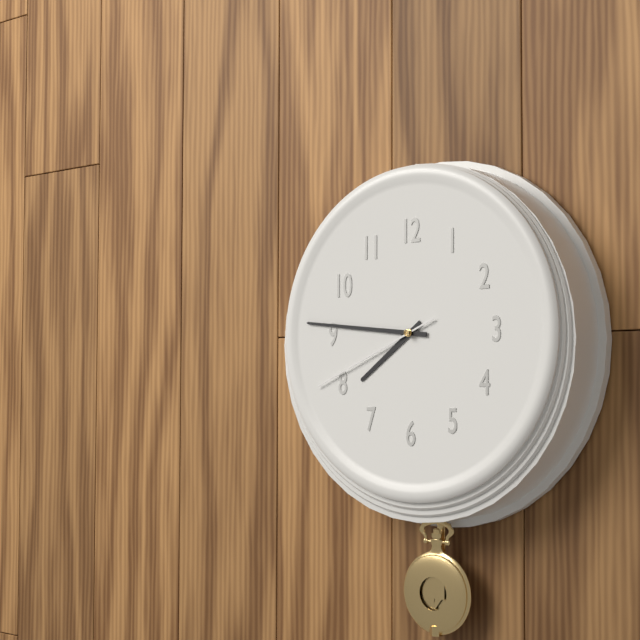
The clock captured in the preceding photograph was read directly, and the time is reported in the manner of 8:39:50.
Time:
7:46:41
